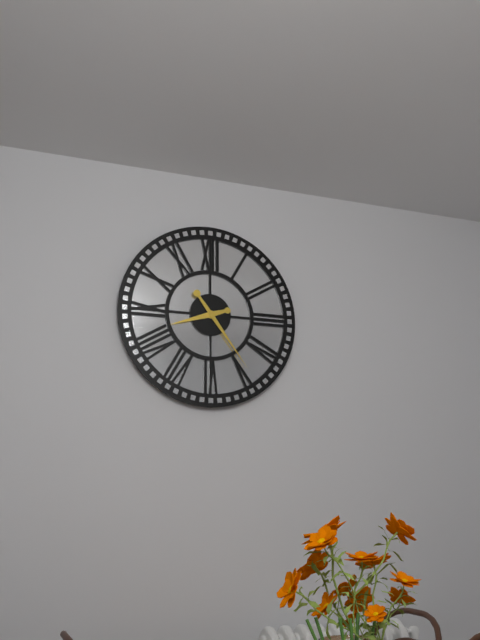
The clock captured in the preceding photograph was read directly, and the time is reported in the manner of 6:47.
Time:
8:24
